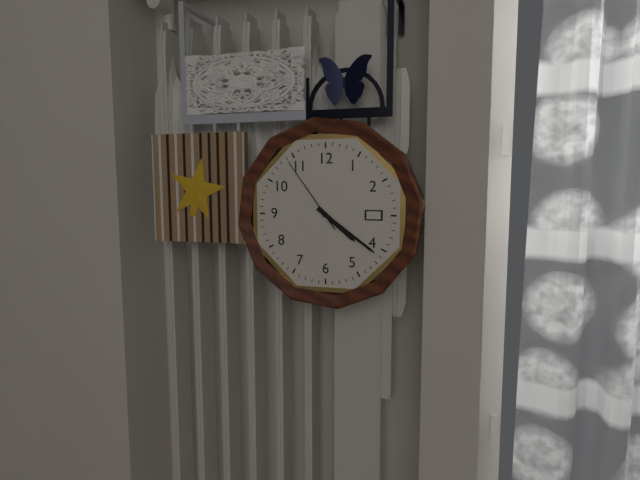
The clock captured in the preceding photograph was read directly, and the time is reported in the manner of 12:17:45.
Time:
4:21:54
